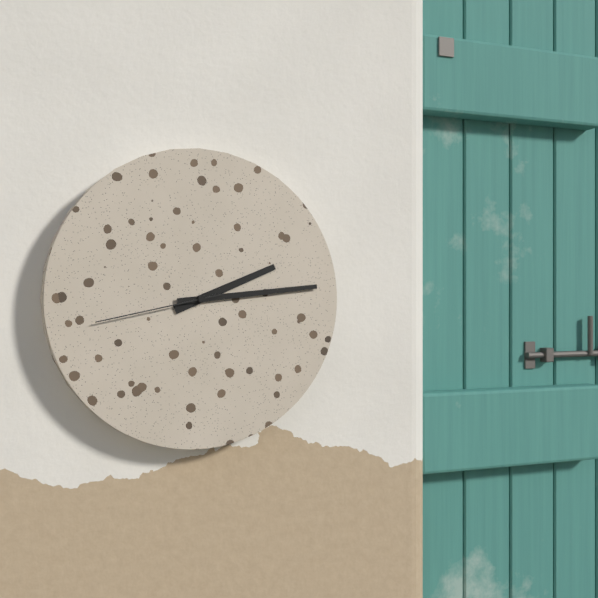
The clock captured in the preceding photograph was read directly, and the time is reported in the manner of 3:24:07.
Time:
2:14:43
